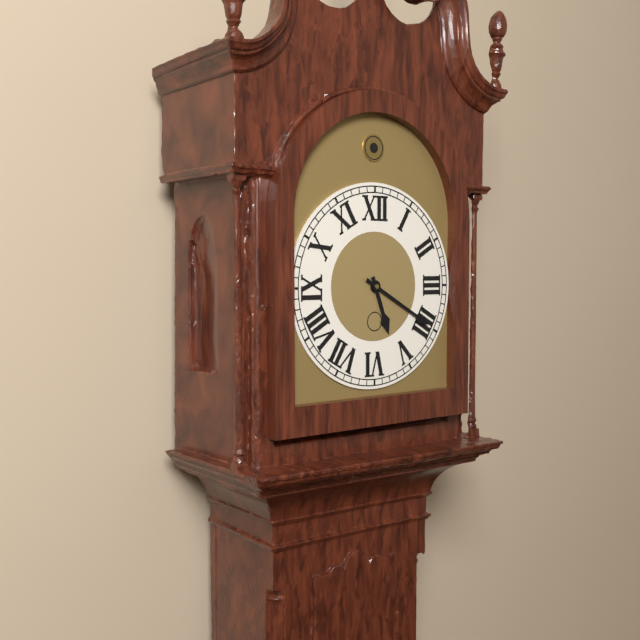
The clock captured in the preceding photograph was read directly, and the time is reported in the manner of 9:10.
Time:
5:20
